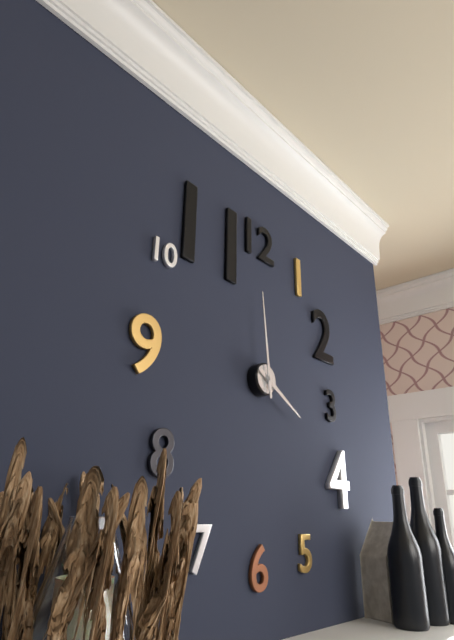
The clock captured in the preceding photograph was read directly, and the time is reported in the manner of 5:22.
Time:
3:59
